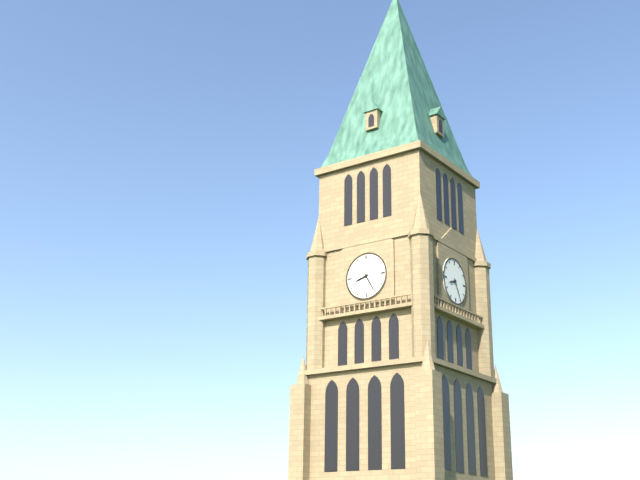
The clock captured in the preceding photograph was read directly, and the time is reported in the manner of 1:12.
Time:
8:25
